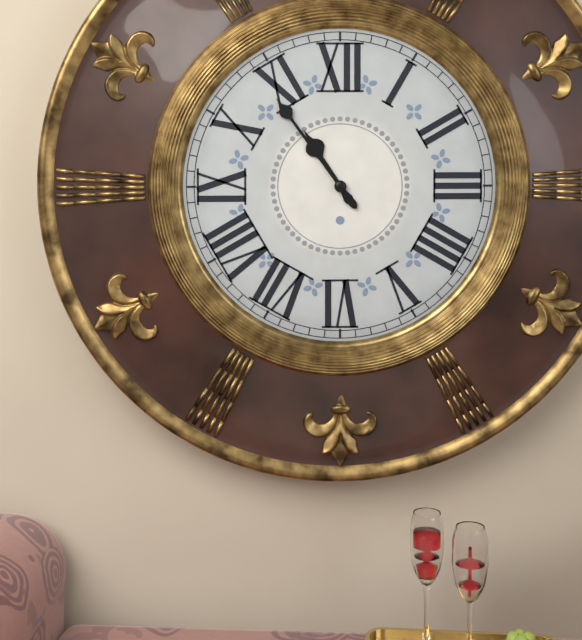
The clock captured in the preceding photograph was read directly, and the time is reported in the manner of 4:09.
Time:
10:54
